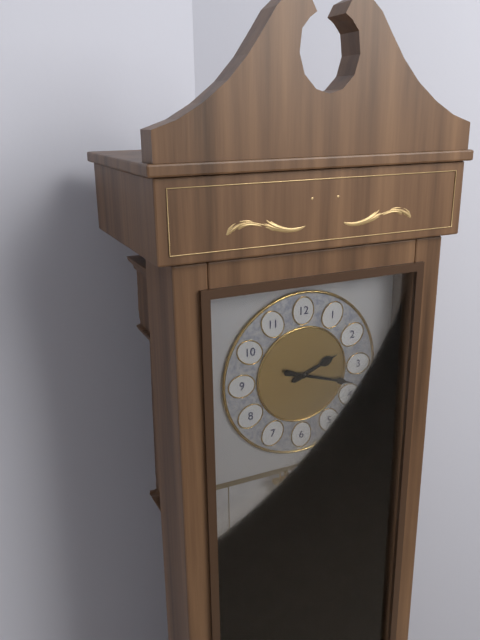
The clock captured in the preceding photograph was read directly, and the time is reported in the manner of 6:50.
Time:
2:18
